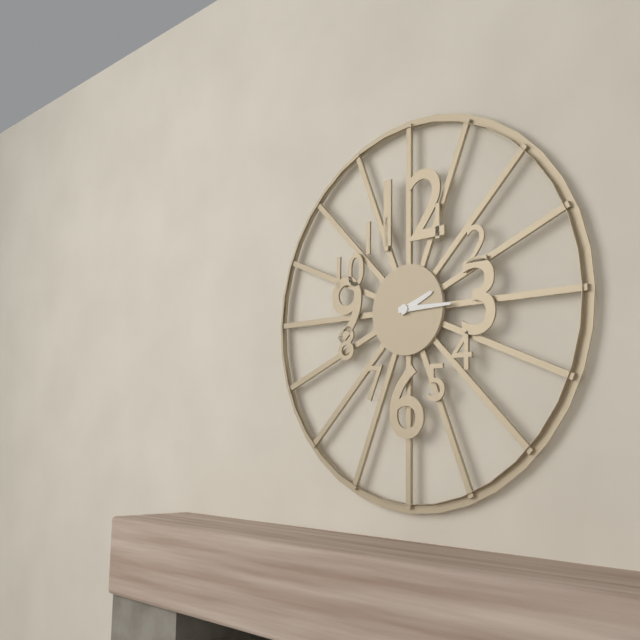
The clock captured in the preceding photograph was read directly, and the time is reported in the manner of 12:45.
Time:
2:15
